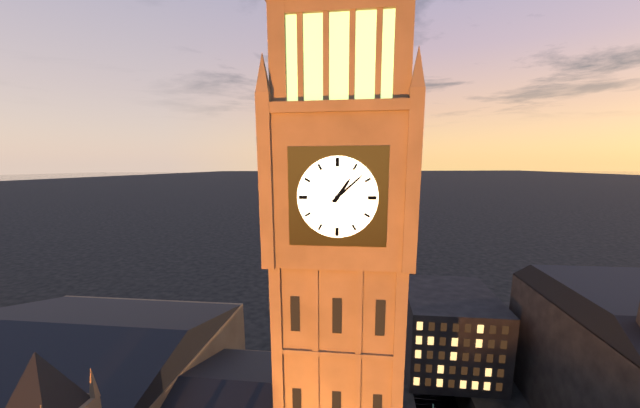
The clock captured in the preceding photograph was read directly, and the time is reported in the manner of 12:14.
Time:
1:08
